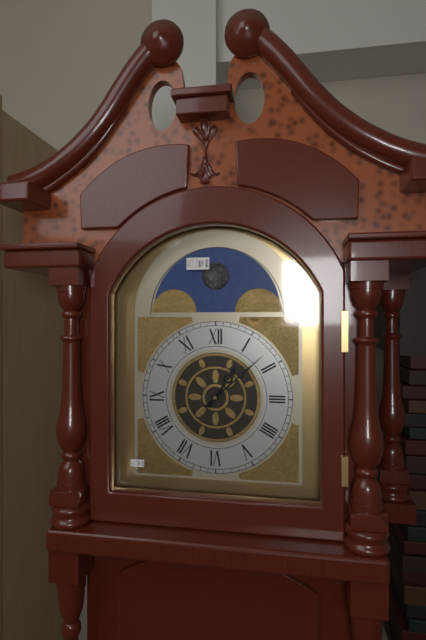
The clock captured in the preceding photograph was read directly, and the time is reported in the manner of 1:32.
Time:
1:08
